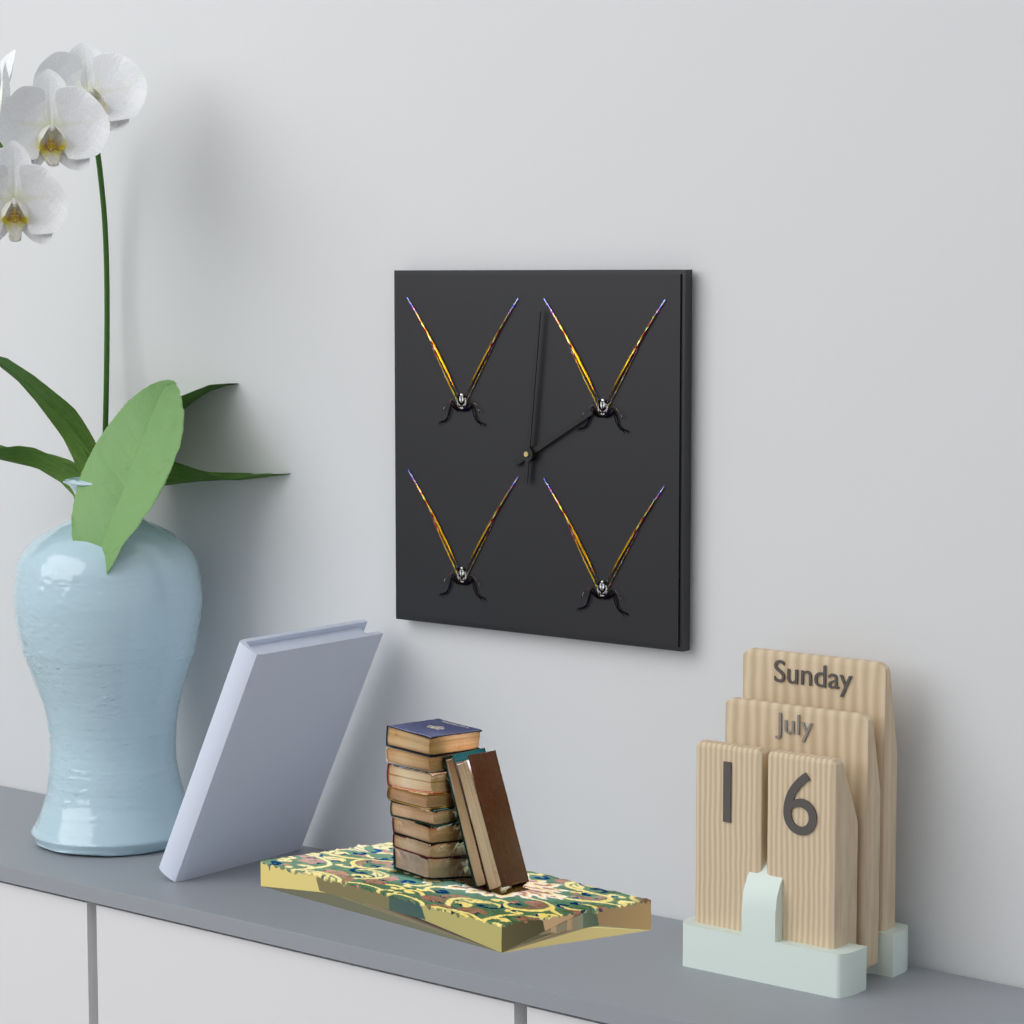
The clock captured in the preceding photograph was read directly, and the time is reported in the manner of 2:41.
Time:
2:01
